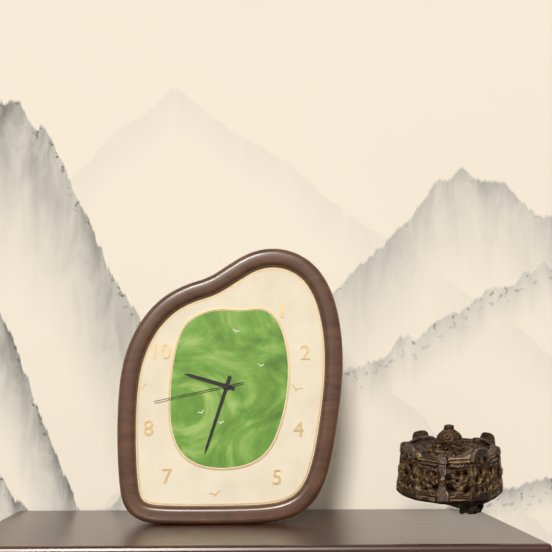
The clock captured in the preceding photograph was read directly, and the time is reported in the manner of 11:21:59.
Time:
9:33:43
